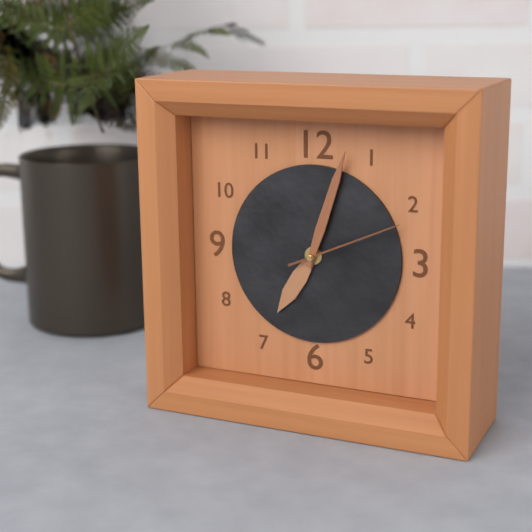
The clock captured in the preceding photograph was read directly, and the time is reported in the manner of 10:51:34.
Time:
7:03:11
